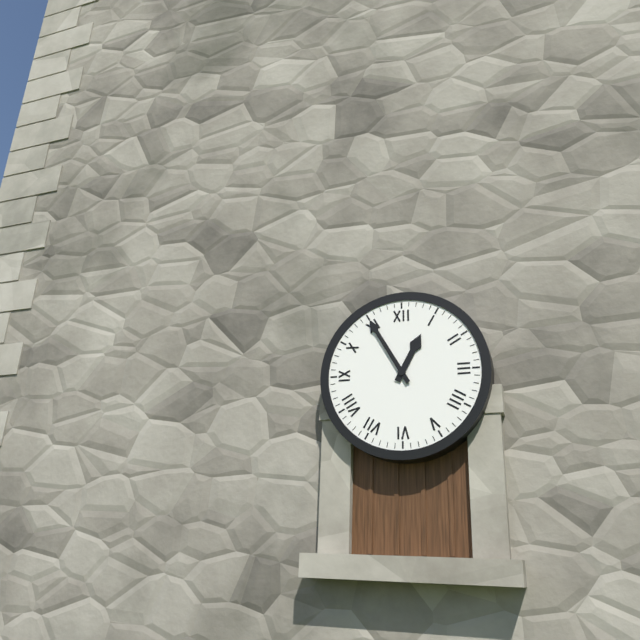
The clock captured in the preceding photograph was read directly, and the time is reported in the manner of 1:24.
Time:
12:55
